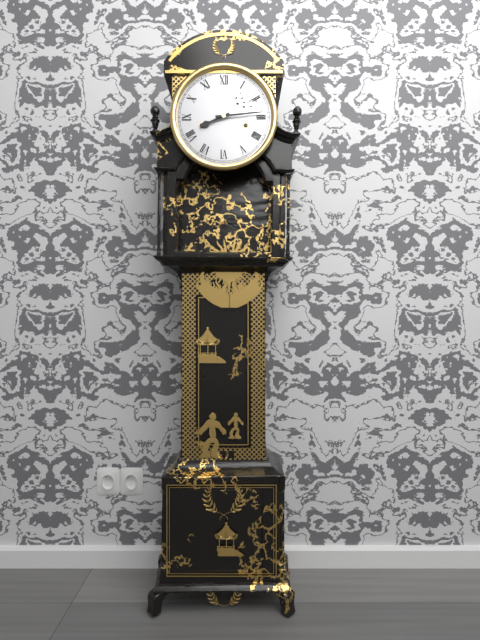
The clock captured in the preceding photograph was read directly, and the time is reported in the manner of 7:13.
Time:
8:14
